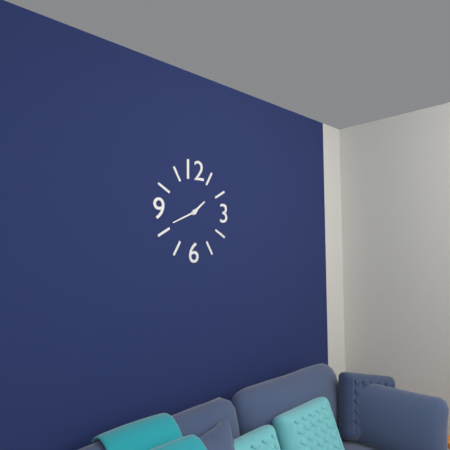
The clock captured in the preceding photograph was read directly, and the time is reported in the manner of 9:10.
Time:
1:41
